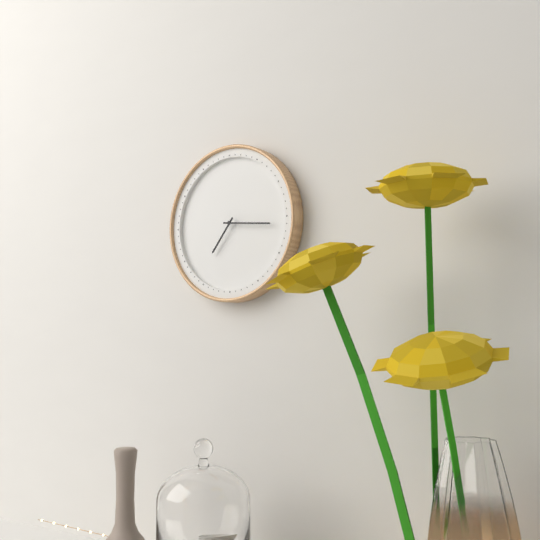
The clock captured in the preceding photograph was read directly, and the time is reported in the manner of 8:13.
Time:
7:16
